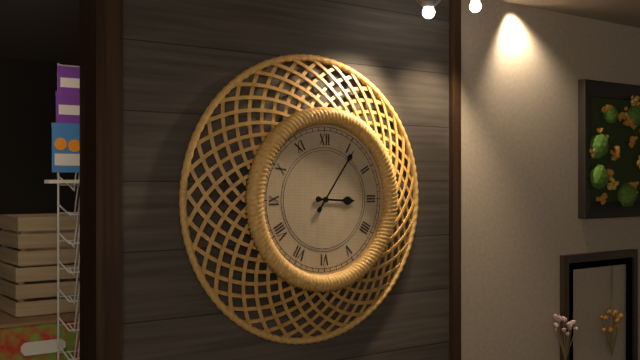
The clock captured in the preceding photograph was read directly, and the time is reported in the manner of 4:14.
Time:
3:06
